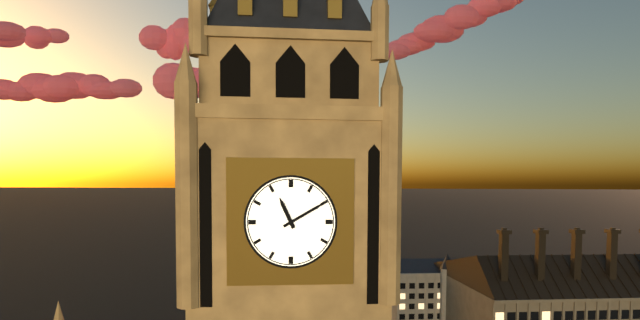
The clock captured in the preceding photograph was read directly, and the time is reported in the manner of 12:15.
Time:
11:10
